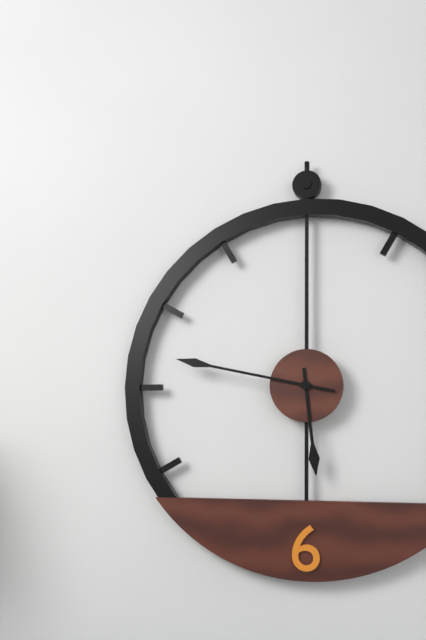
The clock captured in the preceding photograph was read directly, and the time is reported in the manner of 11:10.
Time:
5:47
